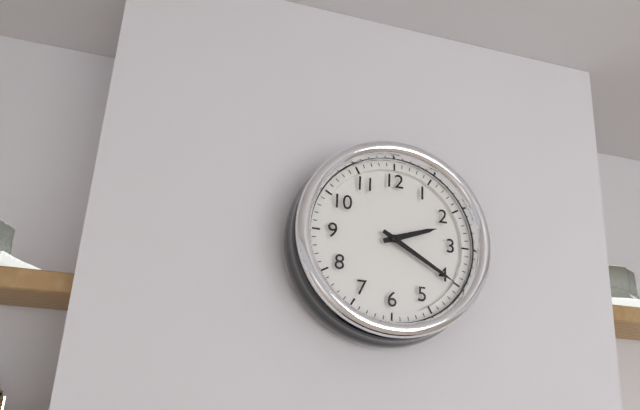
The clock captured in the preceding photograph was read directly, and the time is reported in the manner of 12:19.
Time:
2:20
